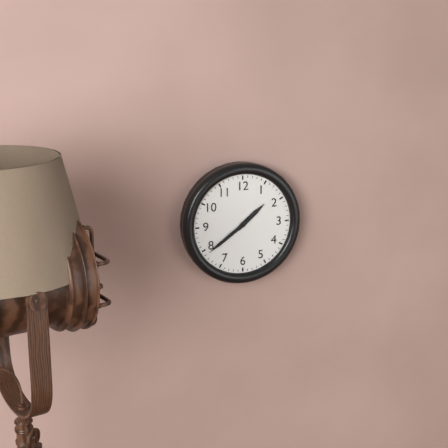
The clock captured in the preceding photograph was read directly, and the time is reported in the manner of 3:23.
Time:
1:39
